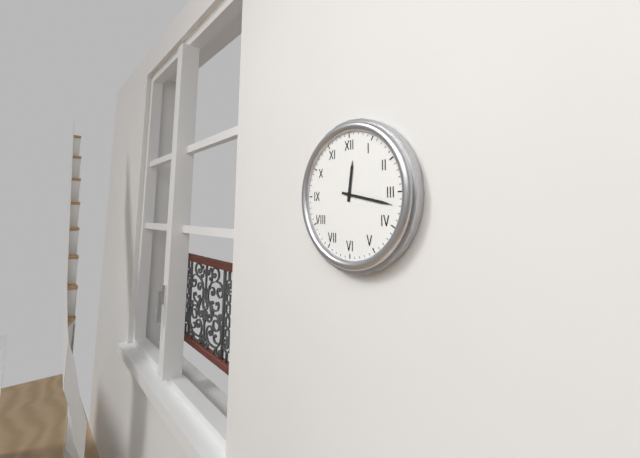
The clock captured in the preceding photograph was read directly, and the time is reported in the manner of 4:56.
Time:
12:17
